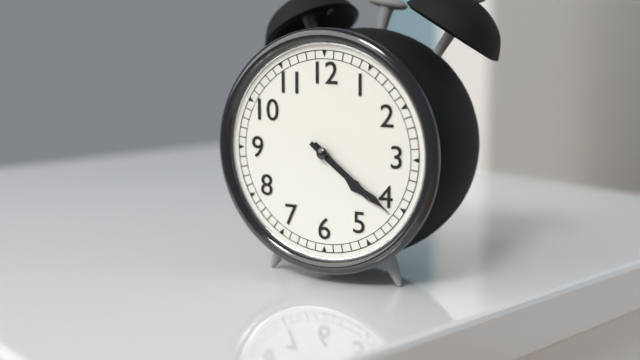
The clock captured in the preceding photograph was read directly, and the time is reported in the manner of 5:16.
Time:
4:21
